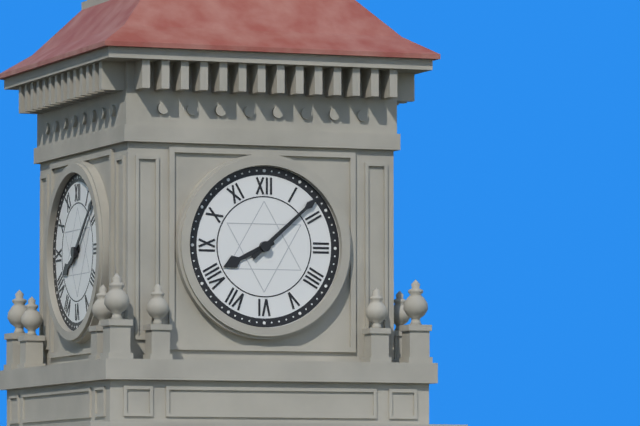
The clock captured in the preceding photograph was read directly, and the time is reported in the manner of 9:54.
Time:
8:08
